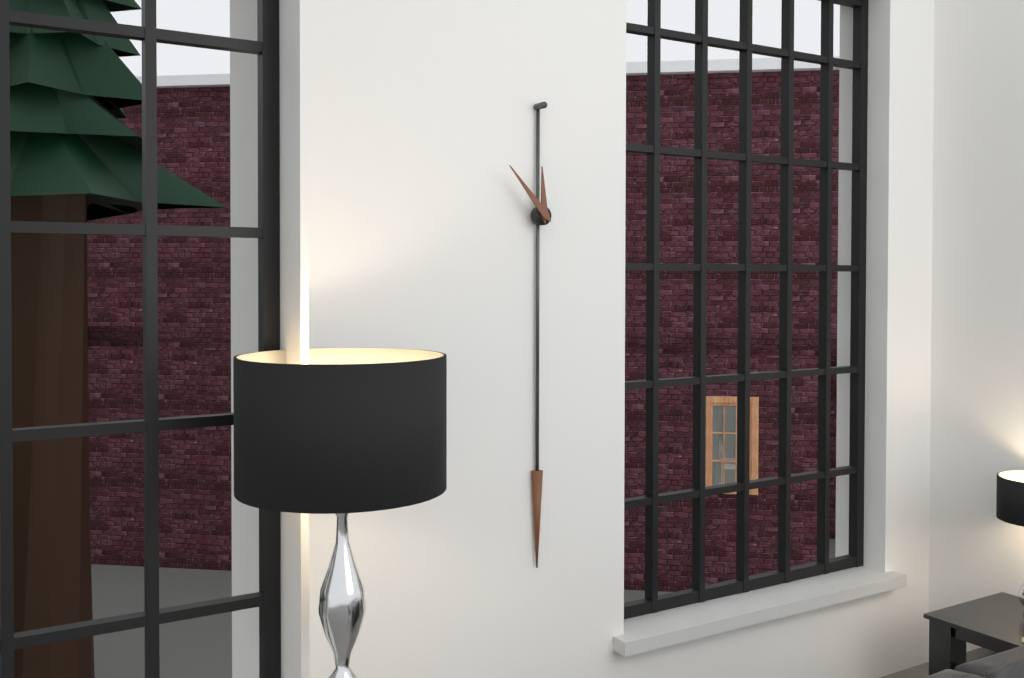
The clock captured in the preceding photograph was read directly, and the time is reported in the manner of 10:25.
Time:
11:53
